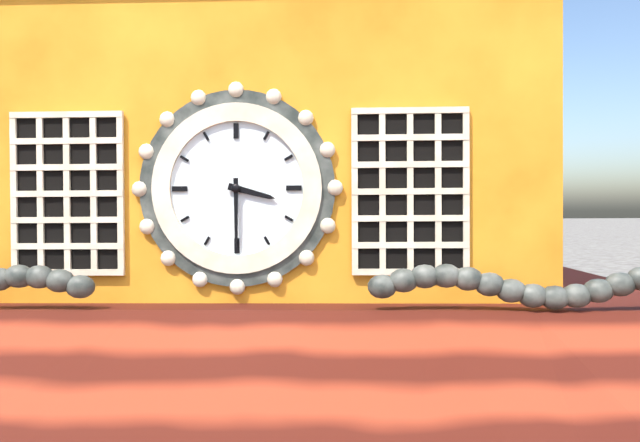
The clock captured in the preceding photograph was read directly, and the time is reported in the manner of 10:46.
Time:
3:30
